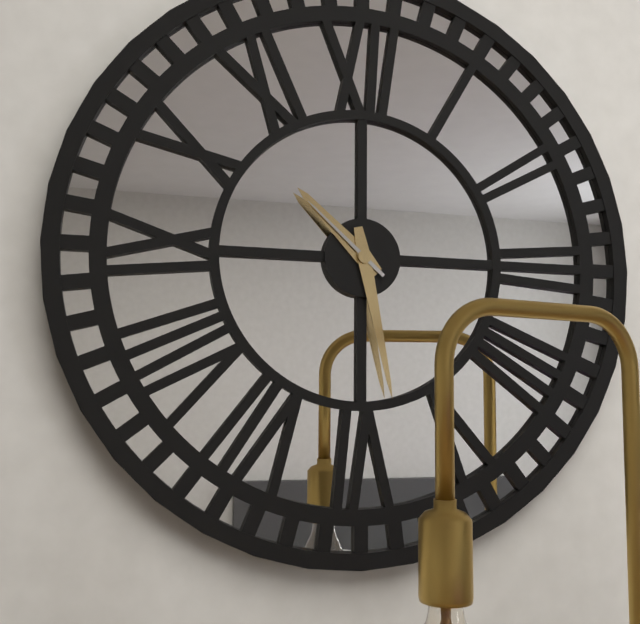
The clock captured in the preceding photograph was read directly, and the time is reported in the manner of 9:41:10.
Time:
10:28:52
